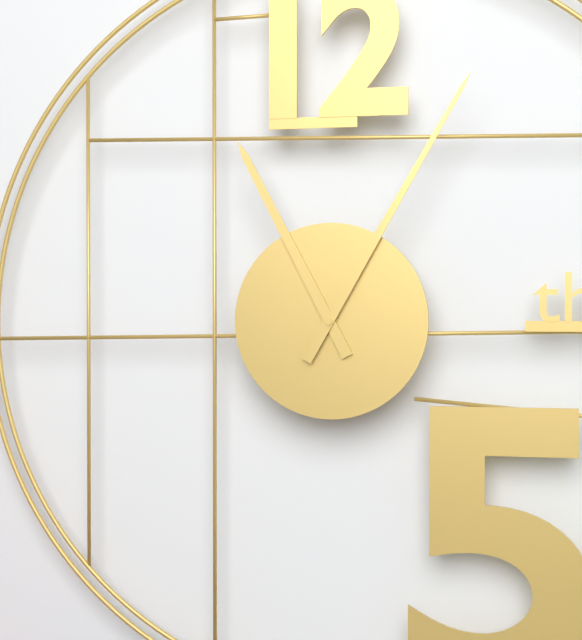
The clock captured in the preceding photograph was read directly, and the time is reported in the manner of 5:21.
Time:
11:05
